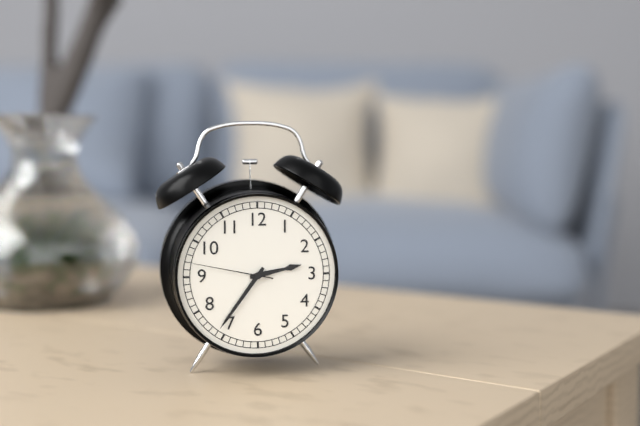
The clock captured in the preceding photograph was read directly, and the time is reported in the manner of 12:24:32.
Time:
2:36:47
